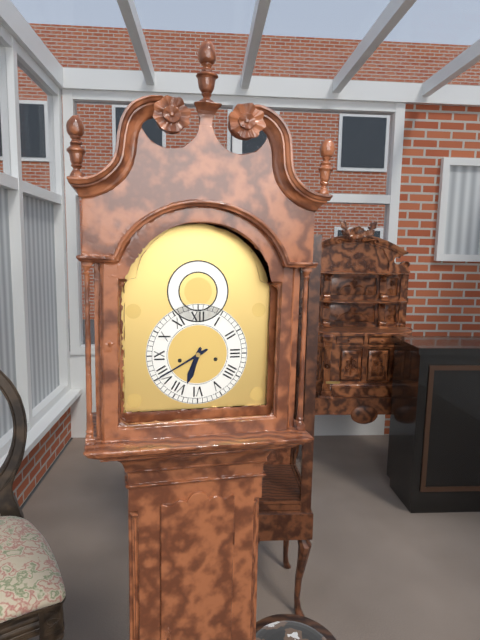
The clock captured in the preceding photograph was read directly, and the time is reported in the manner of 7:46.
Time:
6:40
